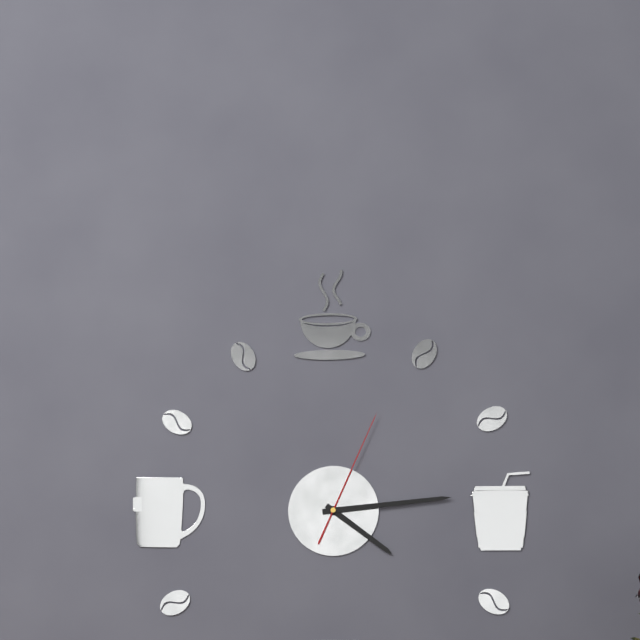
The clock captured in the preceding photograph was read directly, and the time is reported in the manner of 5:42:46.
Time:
4:14:04
